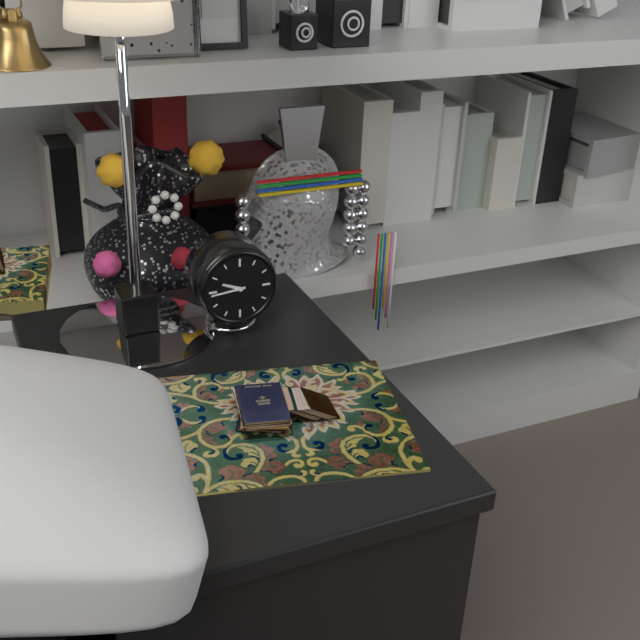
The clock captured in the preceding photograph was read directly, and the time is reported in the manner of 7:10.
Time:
9:44
